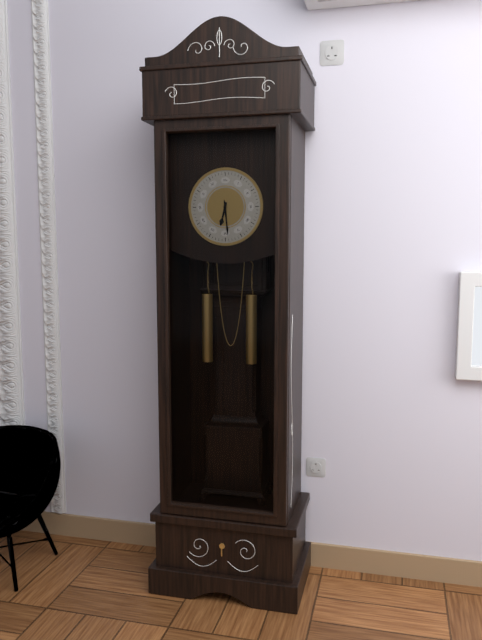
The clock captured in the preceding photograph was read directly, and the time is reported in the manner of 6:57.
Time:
6:29
